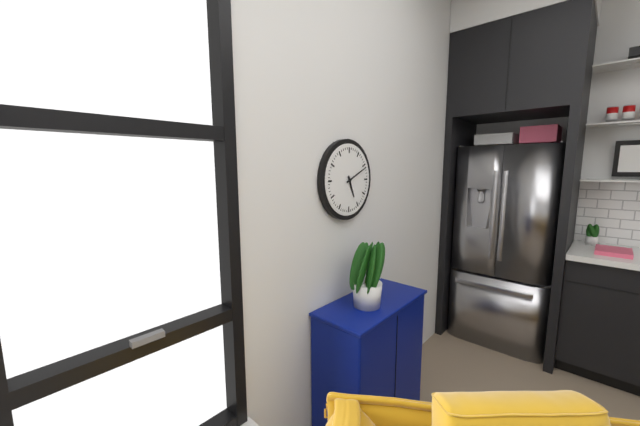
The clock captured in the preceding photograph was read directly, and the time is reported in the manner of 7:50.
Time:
5:11
